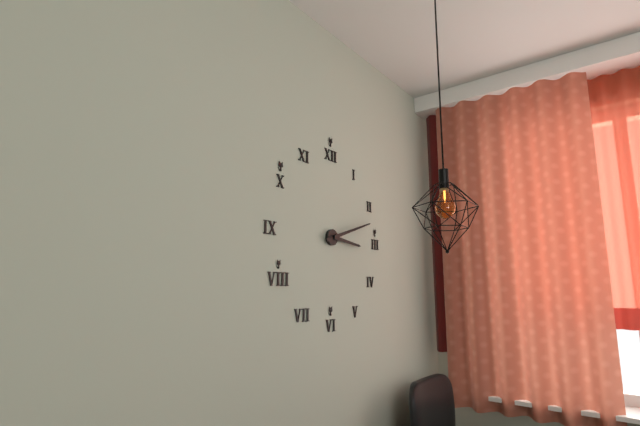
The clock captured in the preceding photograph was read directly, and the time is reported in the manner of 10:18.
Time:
3:12
